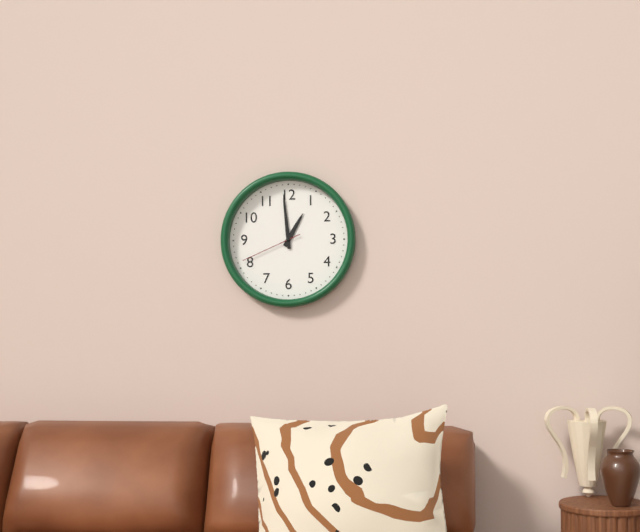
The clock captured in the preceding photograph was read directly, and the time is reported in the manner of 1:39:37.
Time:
12:59:41
